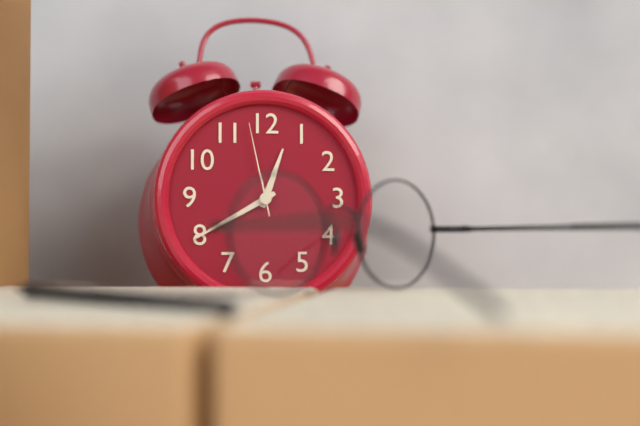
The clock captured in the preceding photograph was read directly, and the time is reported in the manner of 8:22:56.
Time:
12:40:58
